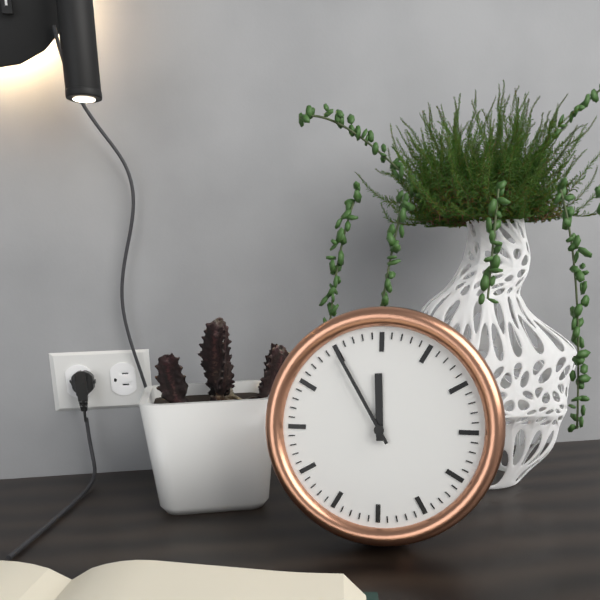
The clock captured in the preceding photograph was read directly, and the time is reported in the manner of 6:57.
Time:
11:55
